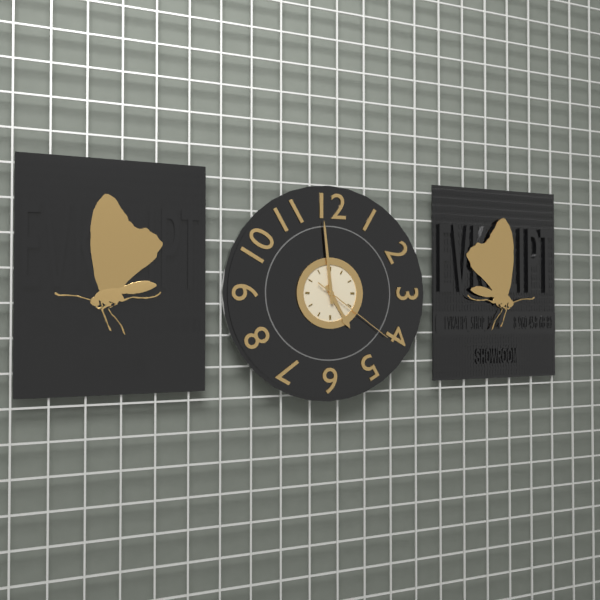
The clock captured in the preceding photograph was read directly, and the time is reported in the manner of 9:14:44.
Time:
4:59:21
